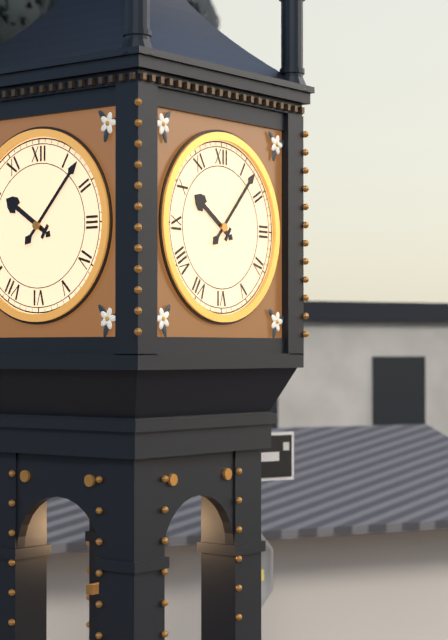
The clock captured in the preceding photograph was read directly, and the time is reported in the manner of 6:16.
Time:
10:07
